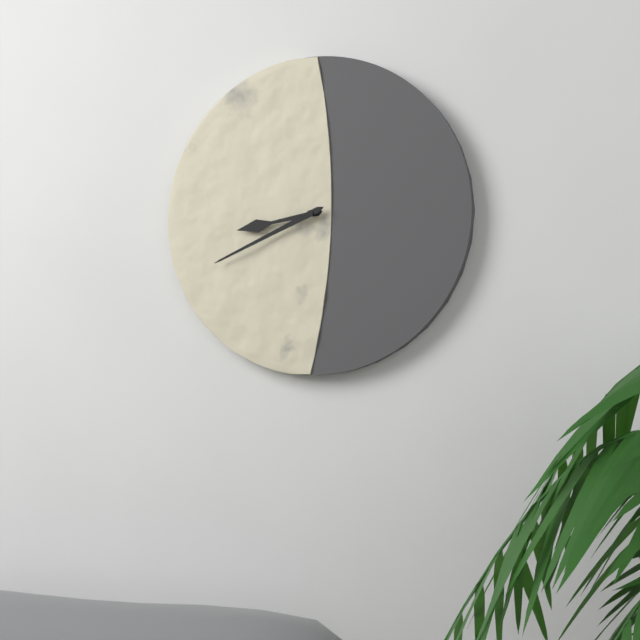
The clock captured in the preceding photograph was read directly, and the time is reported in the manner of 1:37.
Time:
8:41
